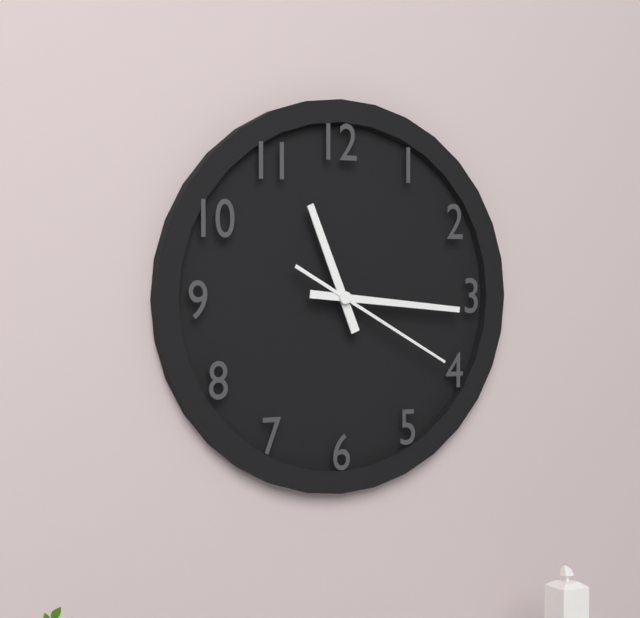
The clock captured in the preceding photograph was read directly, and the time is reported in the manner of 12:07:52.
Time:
11:16:20
